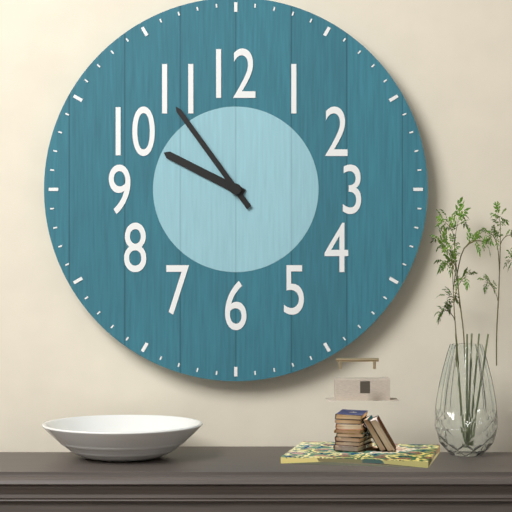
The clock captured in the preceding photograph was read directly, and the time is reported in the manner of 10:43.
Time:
9:54
